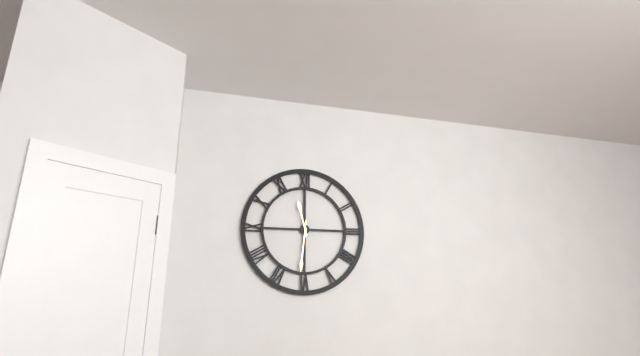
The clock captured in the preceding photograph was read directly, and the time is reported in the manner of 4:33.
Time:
11:31
